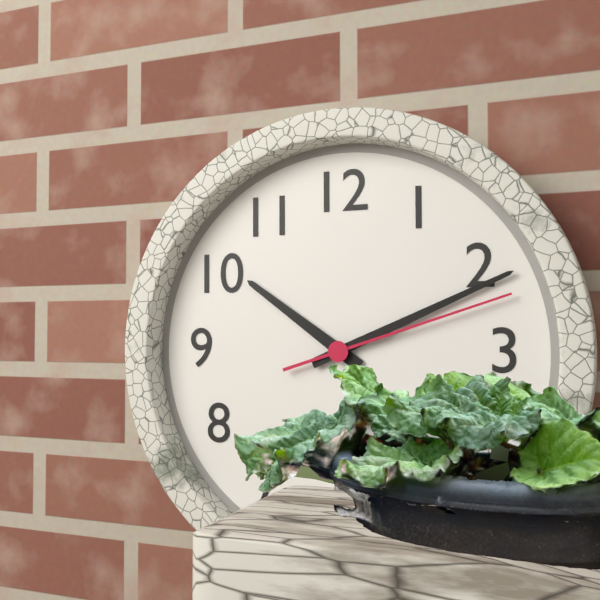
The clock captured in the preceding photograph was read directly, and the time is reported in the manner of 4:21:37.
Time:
10:11:12
